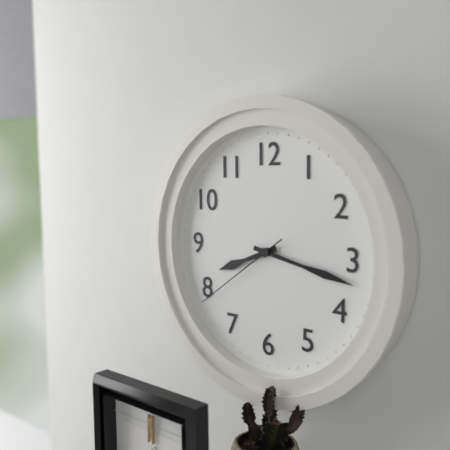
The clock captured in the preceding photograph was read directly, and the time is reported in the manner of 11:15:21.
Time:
8:17:39
